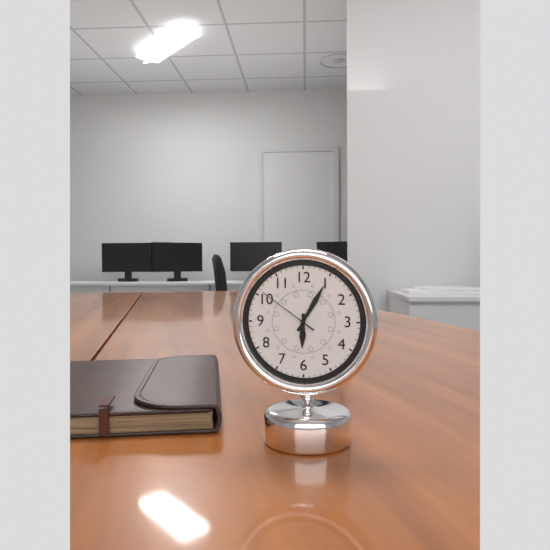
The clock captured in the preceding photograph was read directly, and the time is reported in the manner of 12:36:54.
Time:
6:05:51
